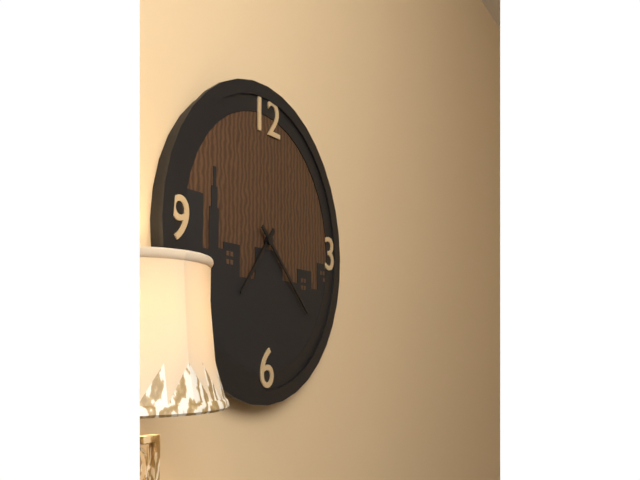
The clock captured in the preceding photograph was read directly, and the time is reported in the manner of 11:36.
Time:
7:22
